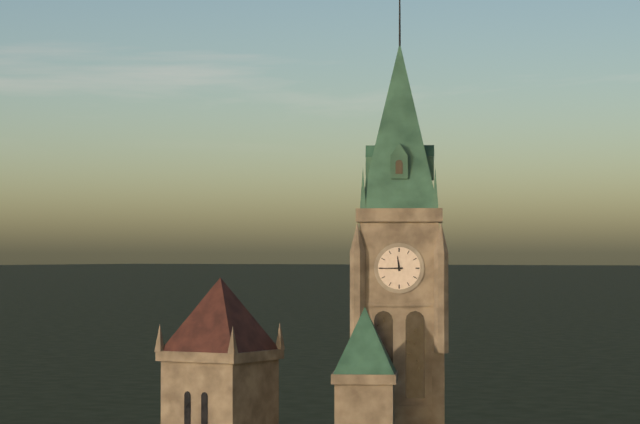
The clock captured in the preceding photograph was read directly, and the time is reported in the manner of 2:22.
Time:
11:45
